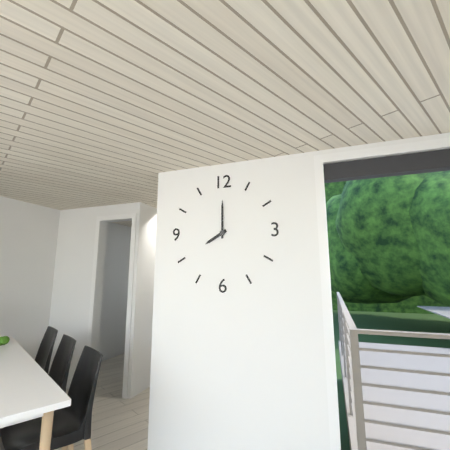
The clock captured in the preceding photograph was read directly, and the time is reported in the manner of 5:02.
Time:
8:00
